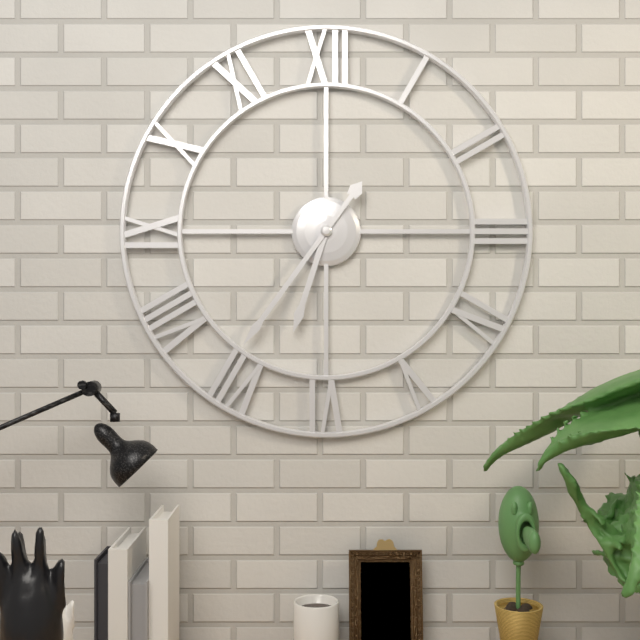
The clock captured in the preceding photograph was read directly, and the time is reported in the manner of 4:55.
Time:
6:36
